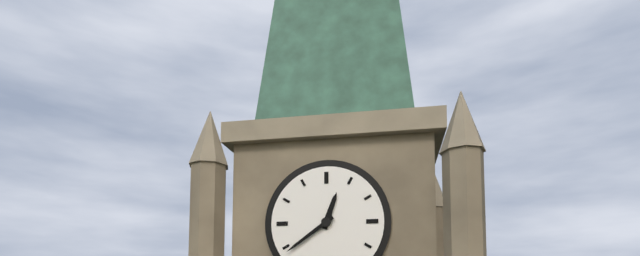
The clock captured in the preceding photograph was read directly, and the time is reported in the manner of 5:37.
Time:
12:39
